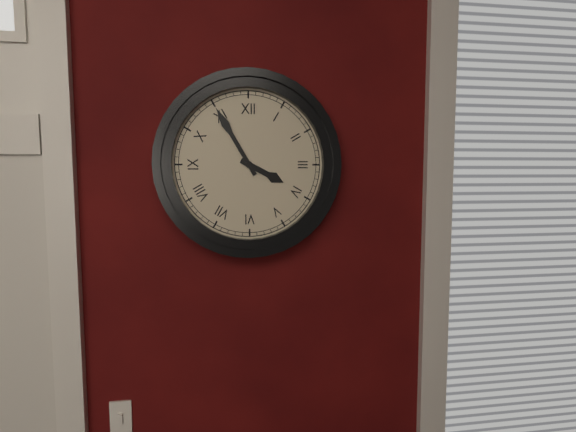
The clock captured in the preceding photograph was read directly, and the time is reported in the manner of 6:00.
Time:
3:55
